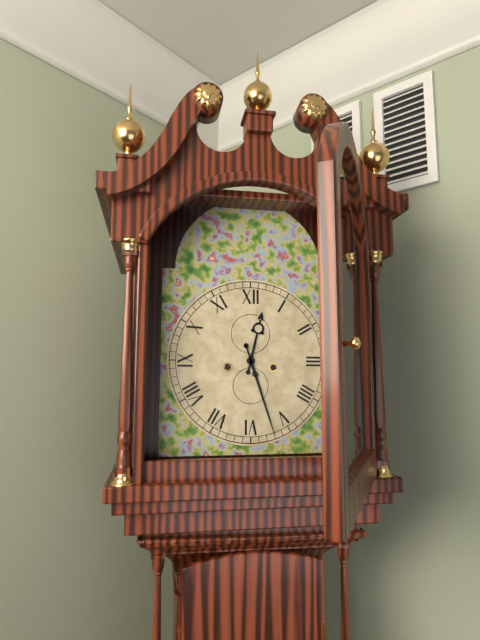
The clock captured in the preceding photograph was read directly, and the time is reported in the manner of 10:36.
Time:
12:27
